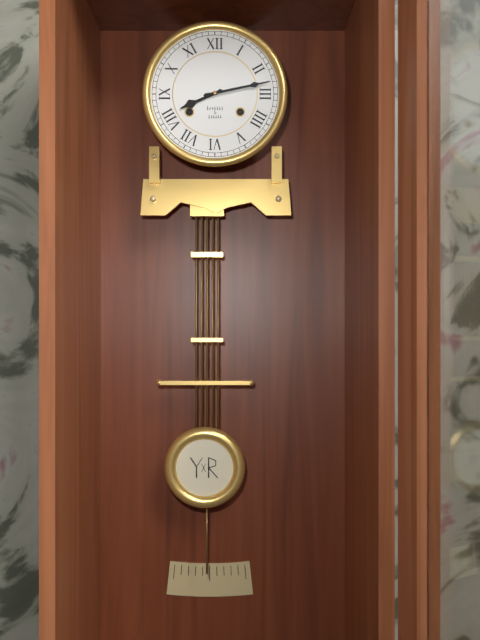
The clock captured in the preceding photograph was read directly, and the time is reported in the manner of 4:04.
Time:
8:13
